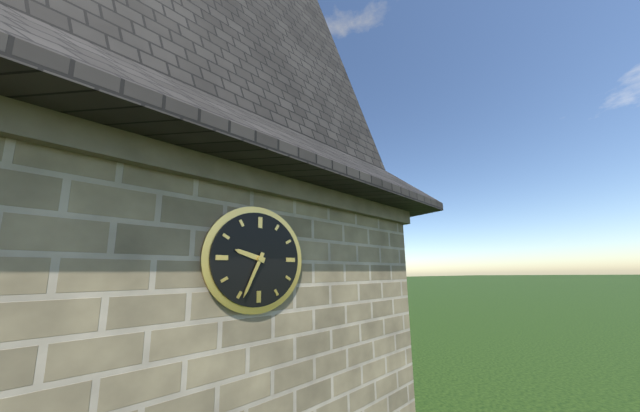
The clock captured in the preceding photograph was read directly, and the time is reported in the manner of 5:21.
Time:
9:34
